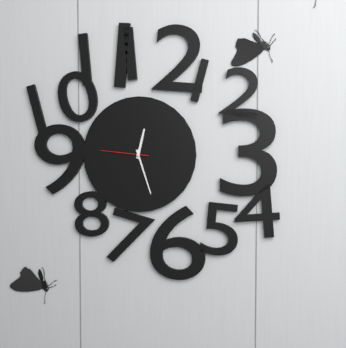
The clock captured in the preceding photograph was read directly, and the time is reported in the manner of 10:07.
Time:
12:27
